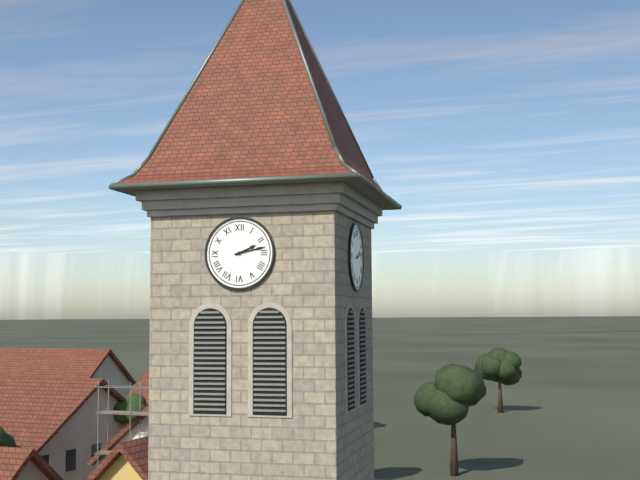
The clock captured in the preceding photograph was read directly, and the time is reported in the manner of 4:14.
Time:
2:13
